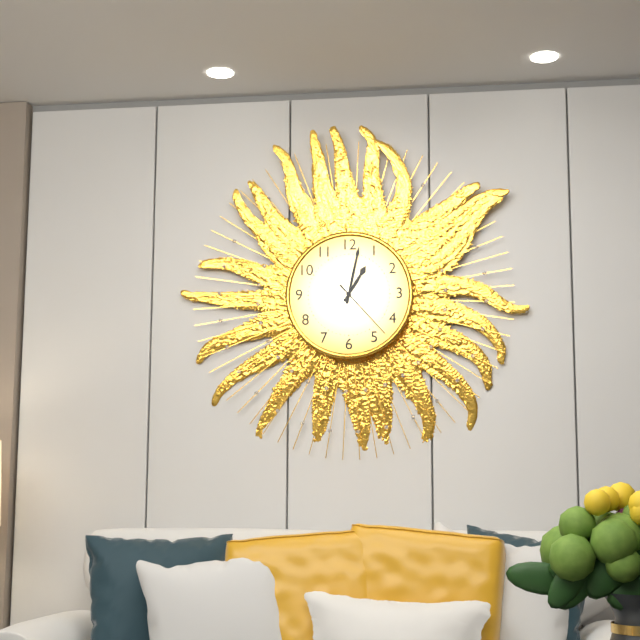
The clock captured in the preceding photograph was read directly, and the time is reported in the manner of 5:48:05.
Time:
1:02:23
